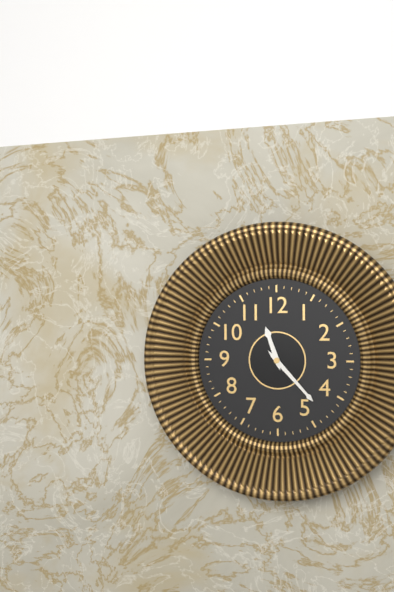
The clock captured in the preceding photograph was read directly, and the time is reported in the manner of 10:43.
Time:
11:23
